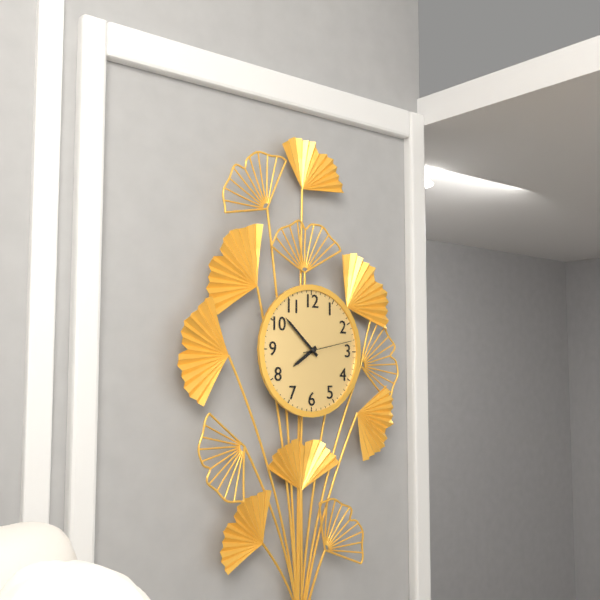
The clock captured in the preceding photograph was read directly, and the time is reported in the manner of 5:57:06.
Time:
7:52:13
